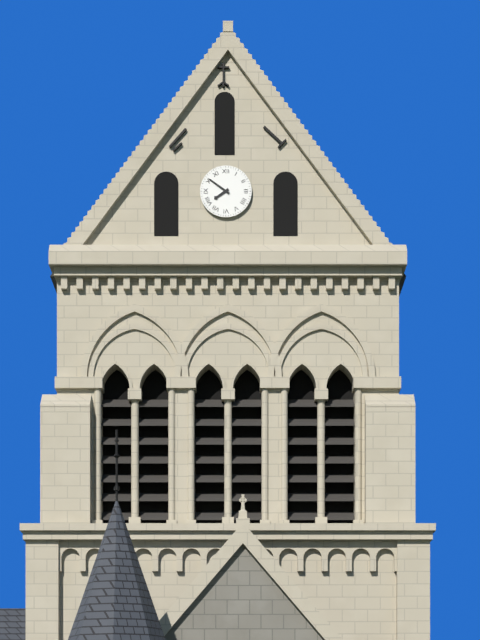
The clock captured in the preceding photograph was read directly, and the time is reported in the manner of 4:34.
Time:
7:51
